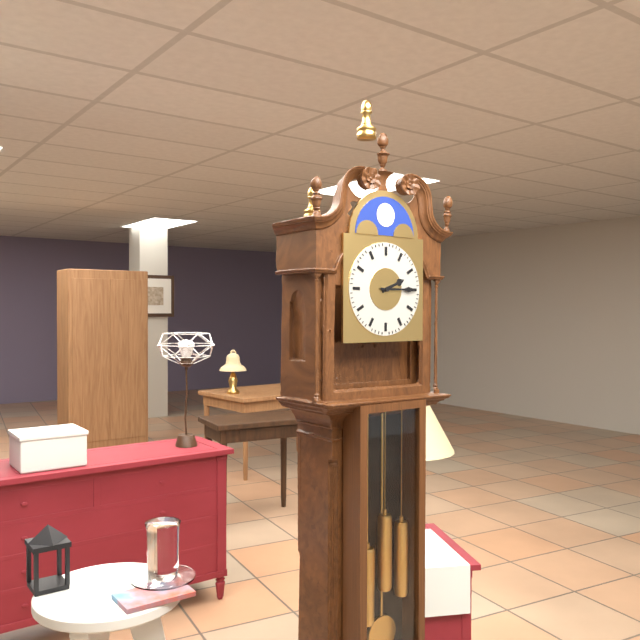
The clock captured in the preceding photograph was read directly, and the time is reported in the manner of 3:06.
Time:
2:15
